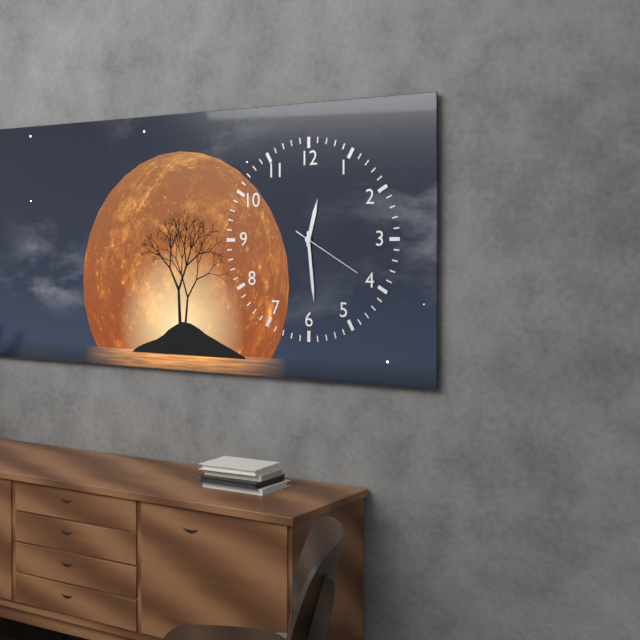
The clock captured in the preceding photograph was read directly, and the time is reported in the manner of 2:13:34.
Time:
12:29:20
